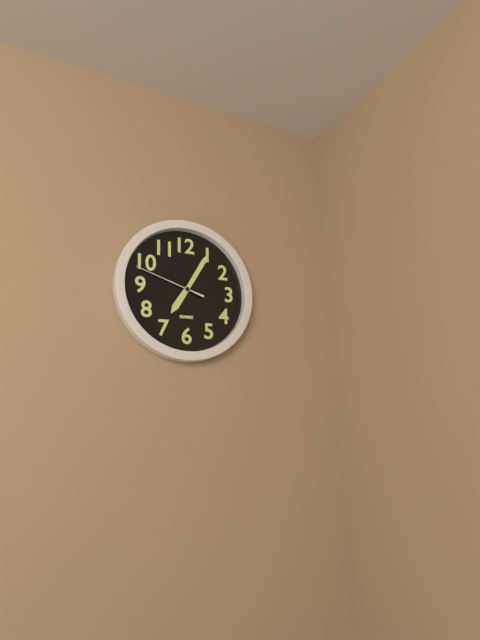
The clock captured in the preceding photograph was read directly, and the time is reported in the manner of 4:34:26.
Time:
7:05:48
